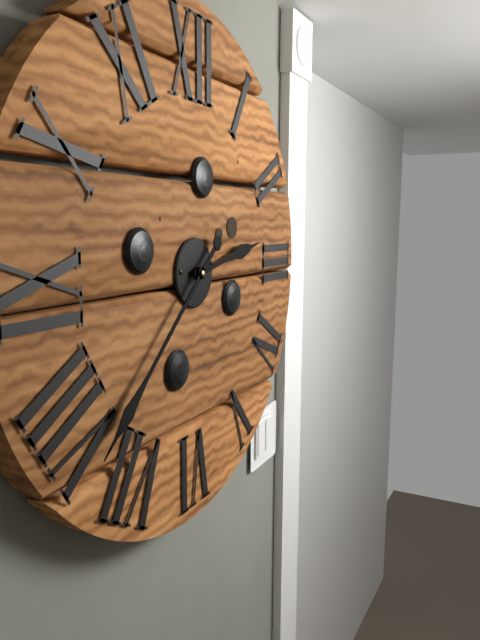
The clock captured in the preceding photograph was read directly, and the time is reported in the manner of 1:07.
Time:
2:38
